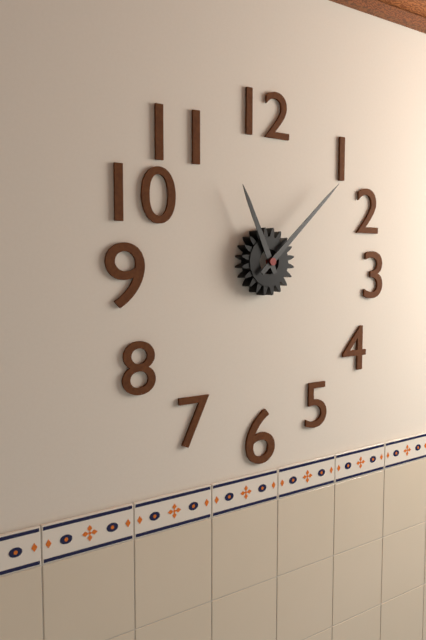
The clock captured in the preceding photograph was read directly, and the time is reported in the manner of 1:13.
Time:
11:08
